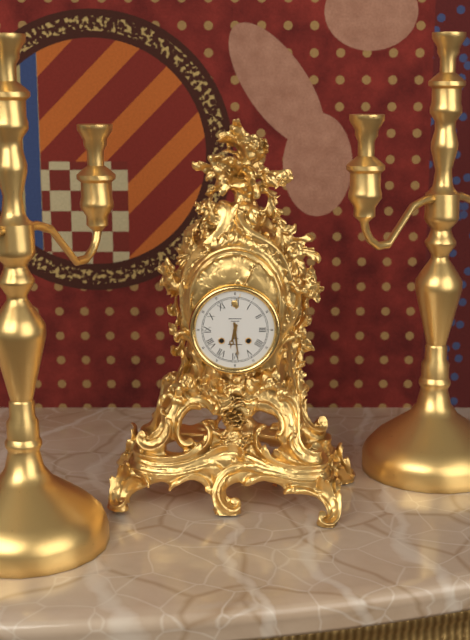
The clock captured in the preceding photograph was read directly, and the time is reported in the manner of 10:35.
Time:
6:29
